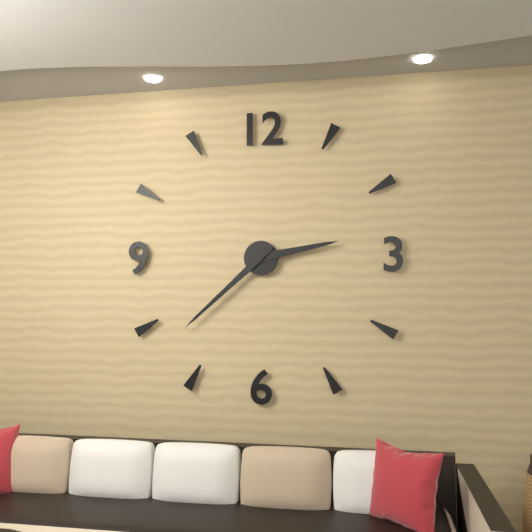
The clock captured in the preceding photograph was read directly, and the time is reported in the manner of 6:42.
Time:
2:38
